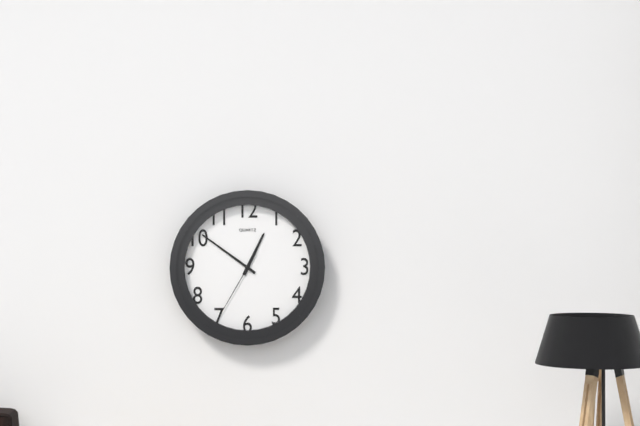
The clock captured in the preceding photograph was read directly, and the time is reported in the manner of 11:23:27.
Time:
12:51:35
